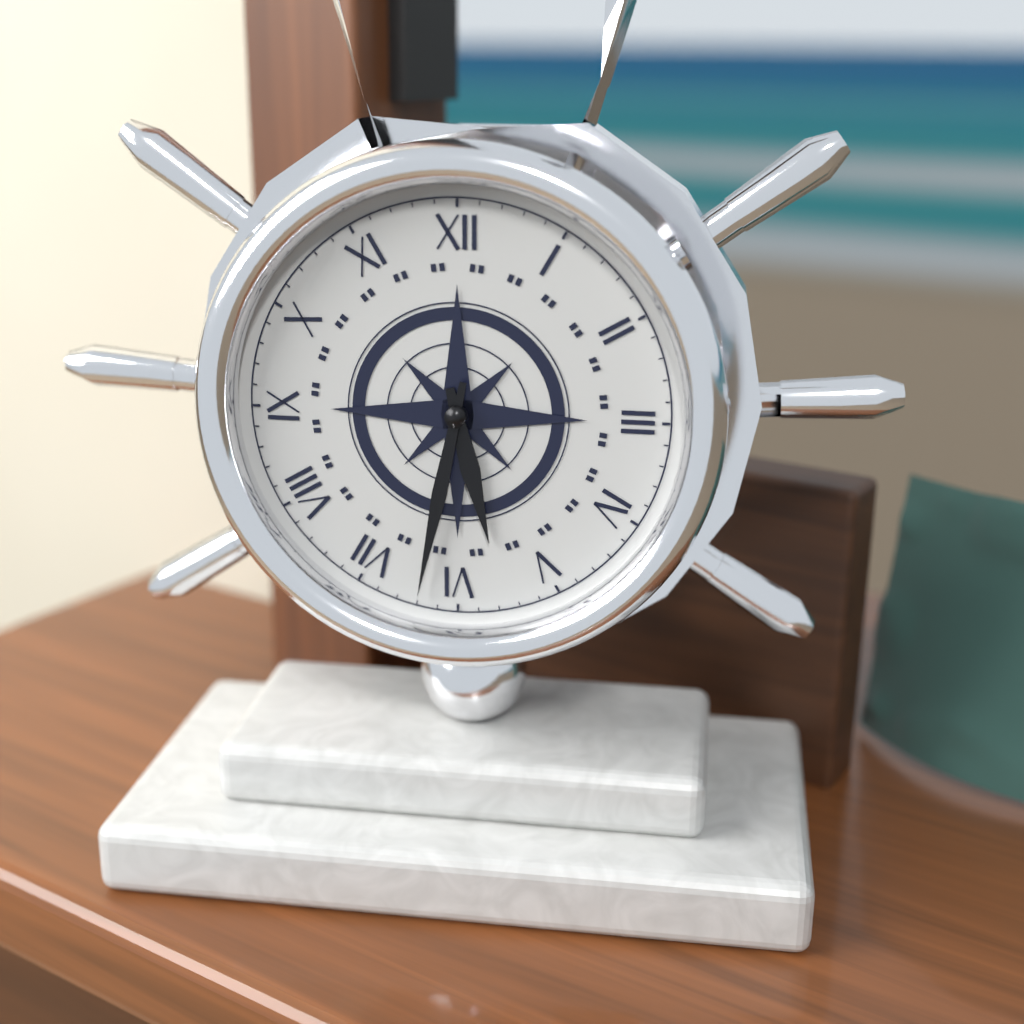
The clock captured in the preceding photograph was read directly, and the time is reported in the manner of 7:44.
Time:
5:32
